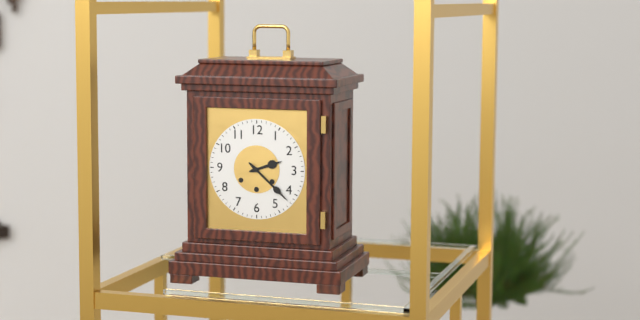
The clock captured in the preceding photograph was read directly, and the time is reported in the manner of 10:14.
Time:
2:22
